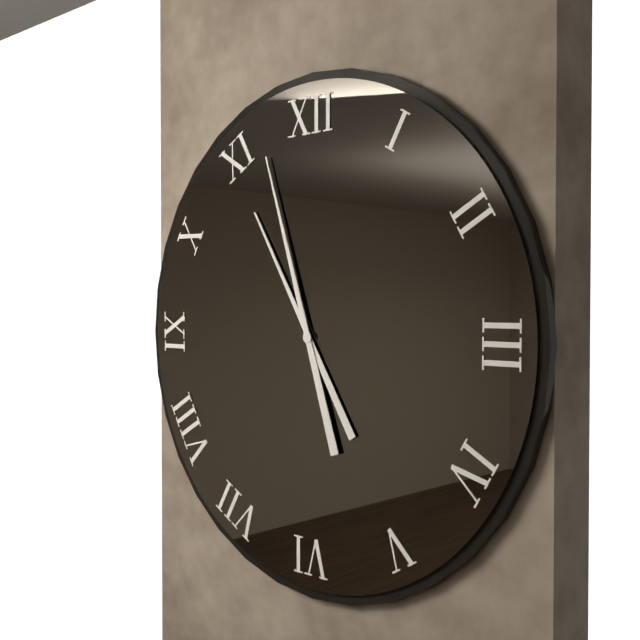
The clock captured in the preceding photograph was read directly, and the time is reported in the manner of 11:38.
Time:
10:57
